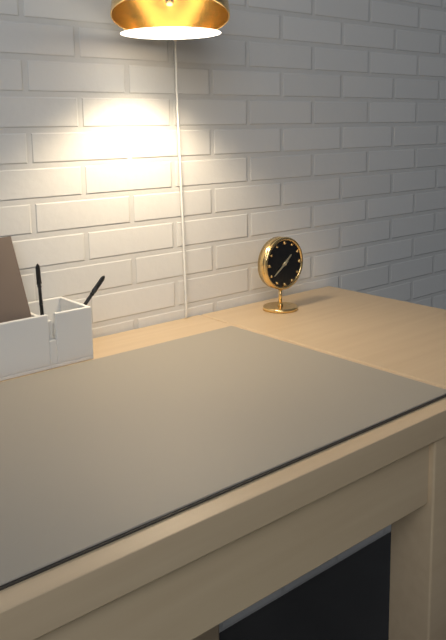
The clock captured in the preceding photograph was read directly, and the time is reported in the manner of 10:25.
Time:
1:39
